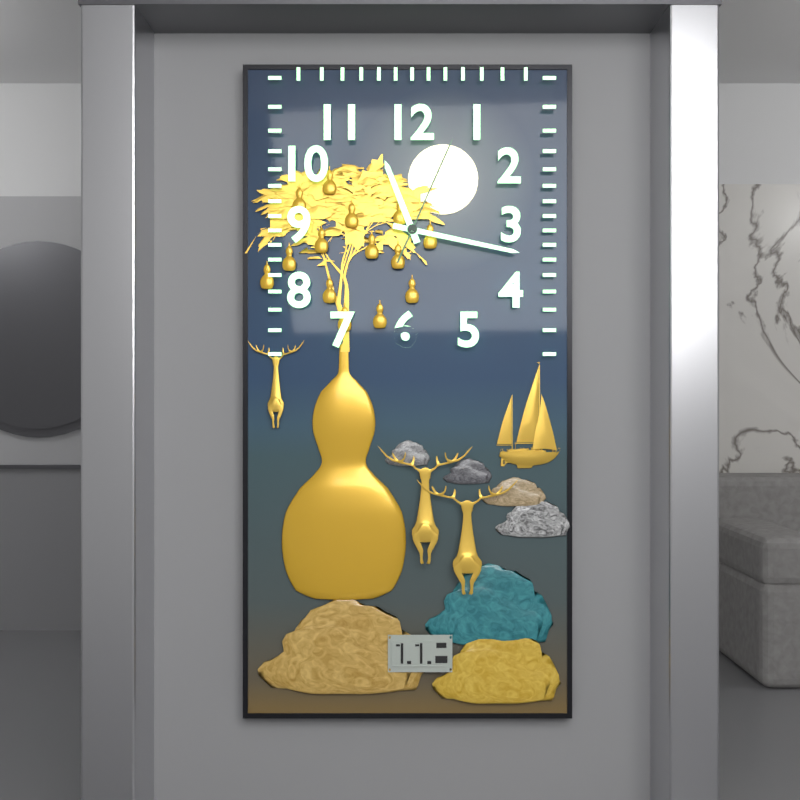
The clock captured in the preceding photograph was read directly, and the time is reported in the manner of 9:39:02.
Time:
11:17:04
